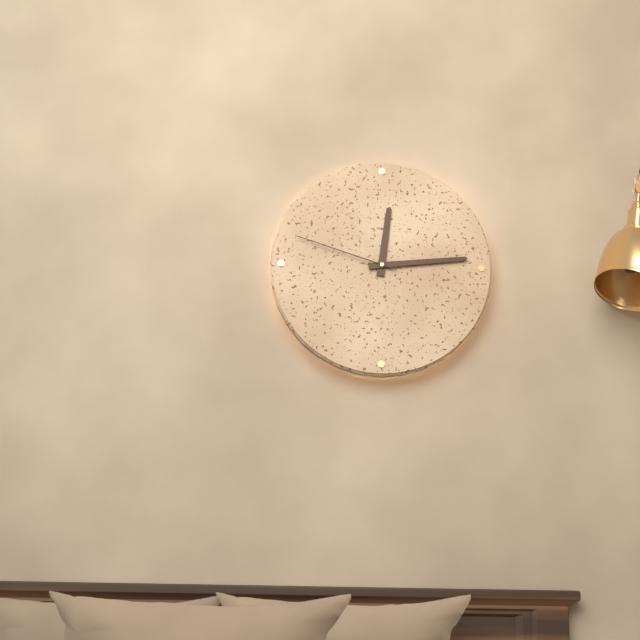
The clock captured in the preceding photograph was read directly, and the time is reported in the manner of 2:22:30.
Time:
12:14:48
